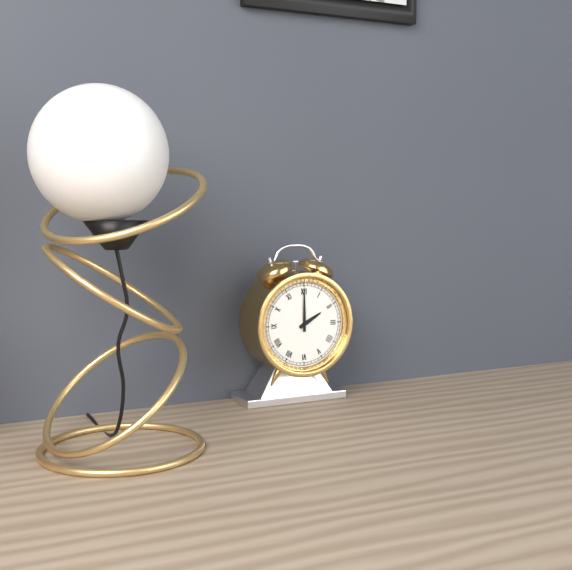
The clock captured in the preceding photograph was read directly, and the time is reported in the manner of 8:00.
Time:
2:00
